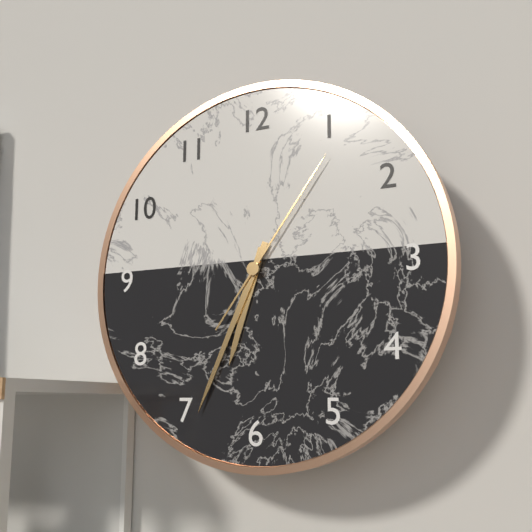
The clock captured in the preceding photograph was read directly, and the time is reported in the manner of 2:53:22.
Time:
6:34:06
